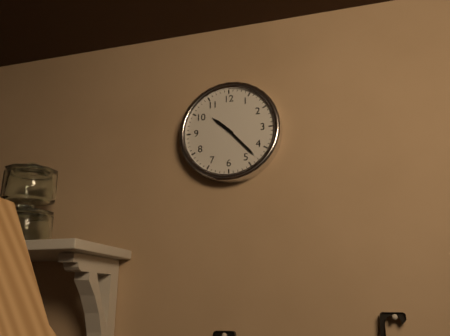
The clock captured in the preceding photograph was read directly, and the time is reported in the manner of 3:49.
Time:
10:23
